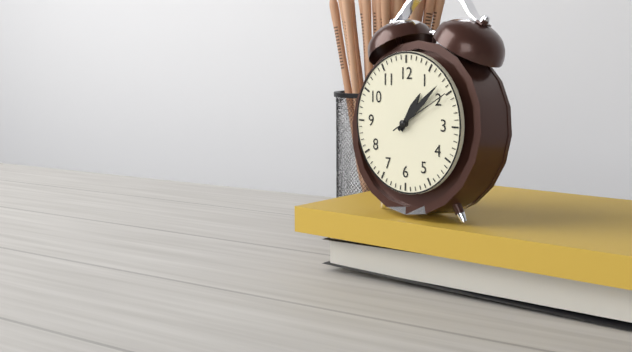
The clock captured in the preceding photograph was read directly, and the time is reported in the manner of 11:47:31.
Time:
1:08:10
